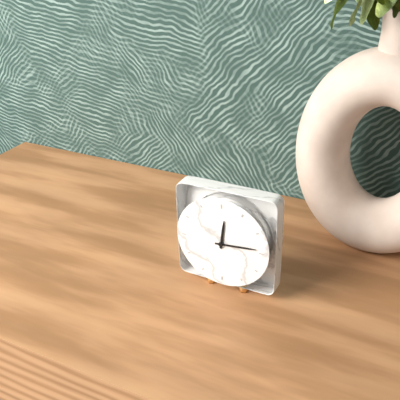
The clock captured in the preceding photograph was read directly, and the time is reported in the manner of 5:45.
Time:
12:14
